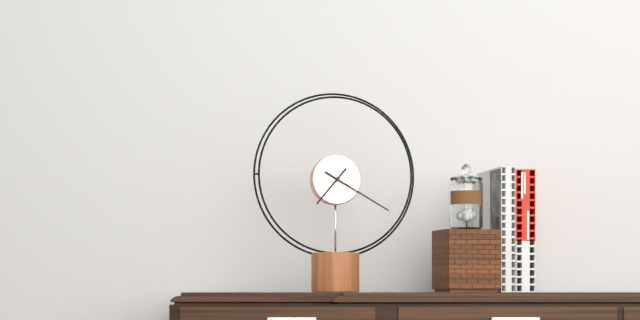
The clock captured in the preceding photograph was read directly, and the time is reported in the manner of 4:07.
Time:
7:20
